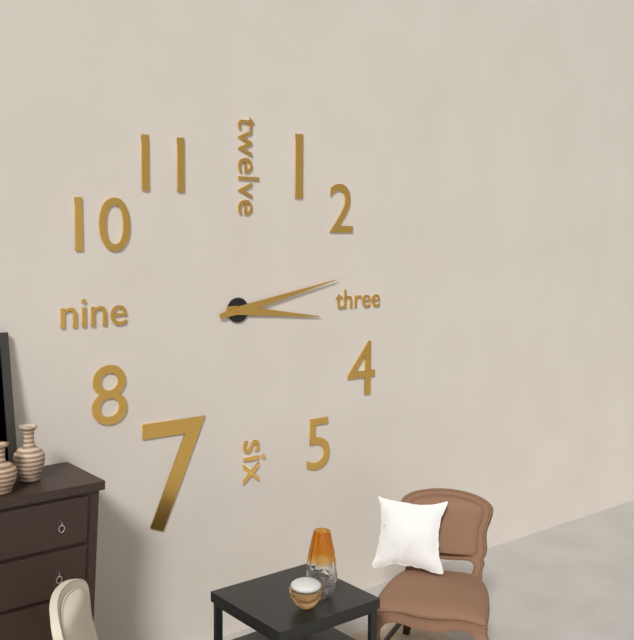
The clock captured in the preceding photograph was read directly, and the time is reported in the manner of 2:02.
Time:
3:13
